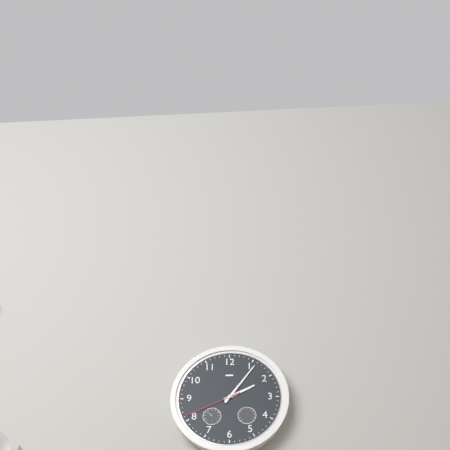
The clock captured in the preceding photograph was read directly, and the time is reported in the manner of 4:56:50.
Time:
2:06:41
